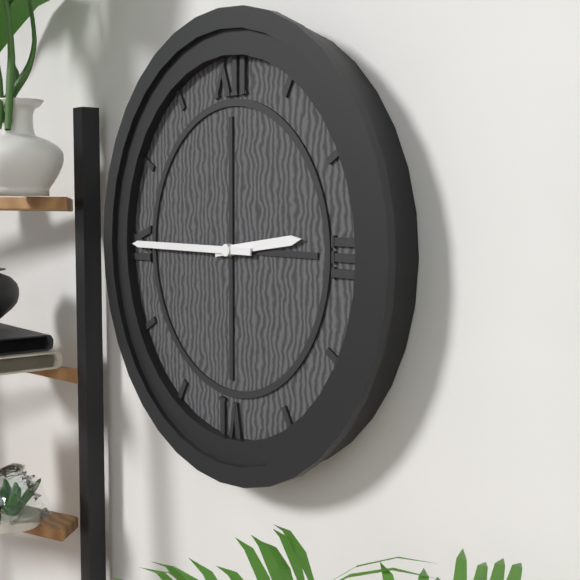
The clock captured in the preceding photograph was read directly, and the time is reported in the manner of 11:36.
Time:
2:45
